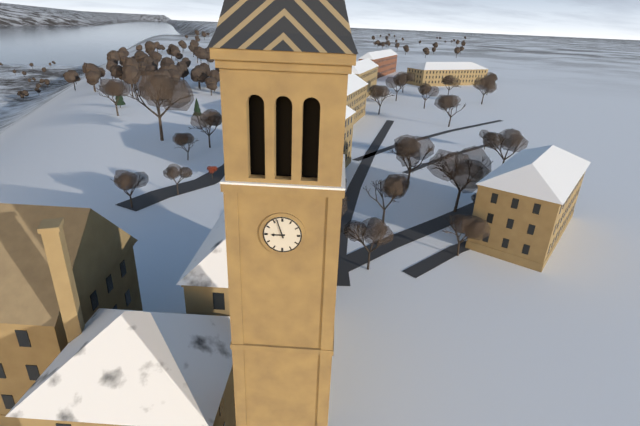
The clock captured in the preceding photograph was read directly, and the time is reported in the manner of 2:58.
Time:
8:57
